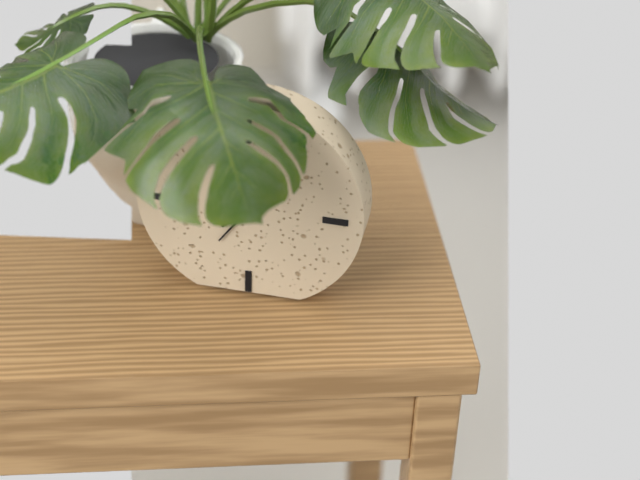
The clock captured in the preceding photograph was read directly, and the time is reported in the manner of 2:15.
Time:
7:36
